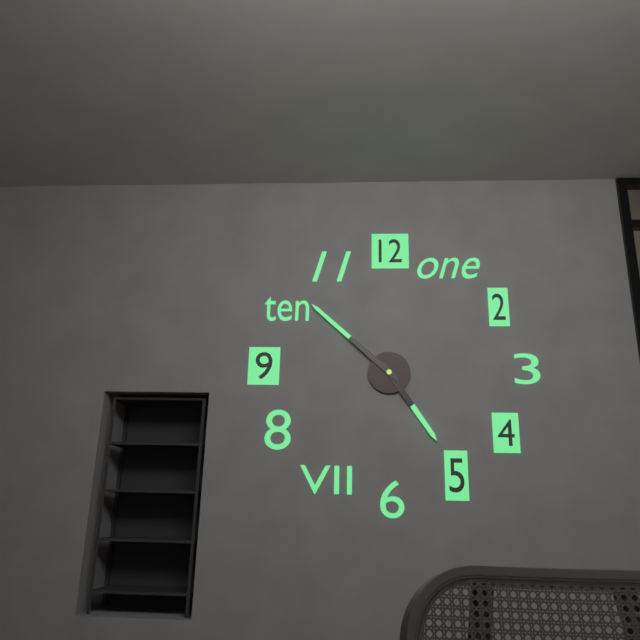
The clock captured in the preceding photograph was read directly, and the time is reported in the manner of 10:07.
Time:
4:52
